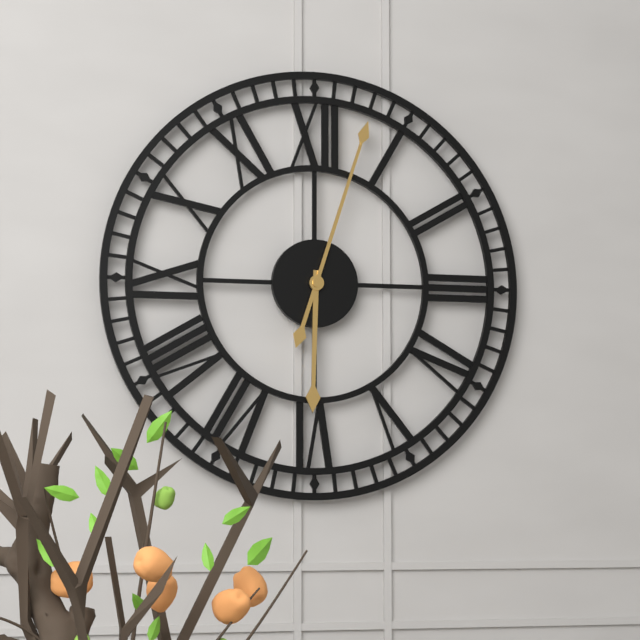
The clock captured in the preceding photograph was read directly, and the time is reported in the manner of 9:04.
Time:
6:03
